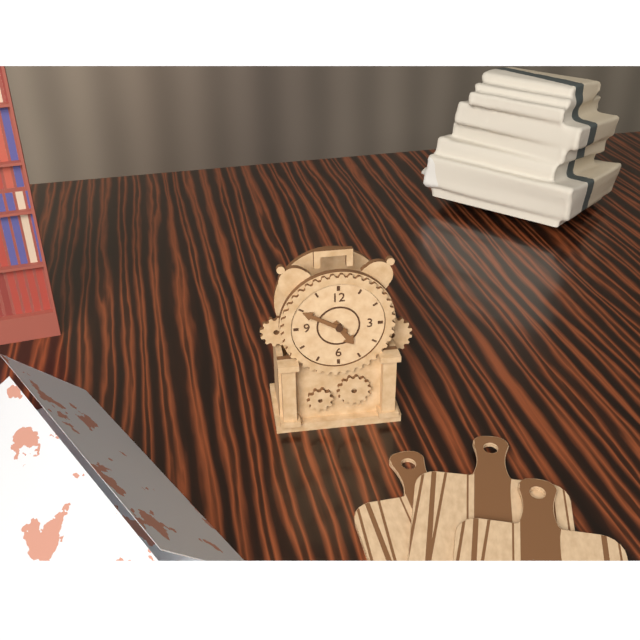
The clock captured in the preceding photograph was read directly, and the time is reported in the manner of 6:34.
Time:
4:50
